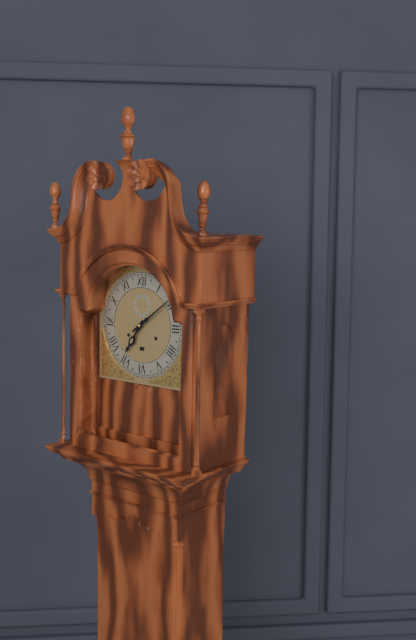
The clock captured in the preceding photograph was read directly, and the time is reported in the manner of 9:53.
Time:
7:09
